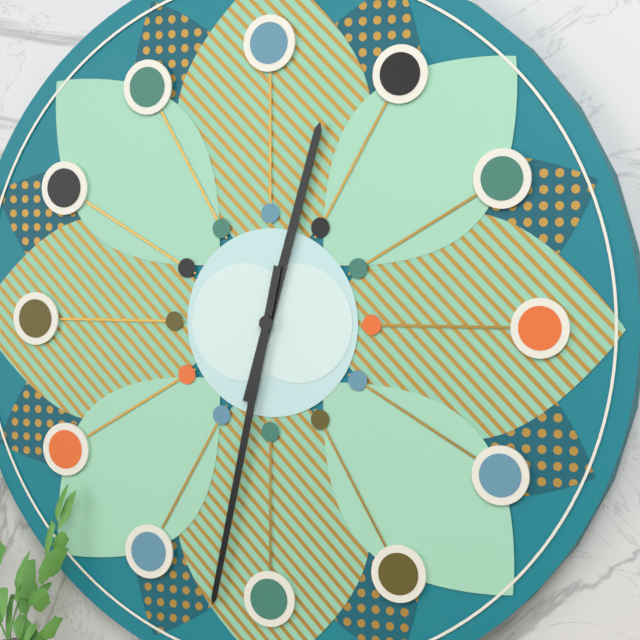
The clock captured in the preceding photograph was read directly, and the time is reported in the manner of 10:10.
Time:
12:32
